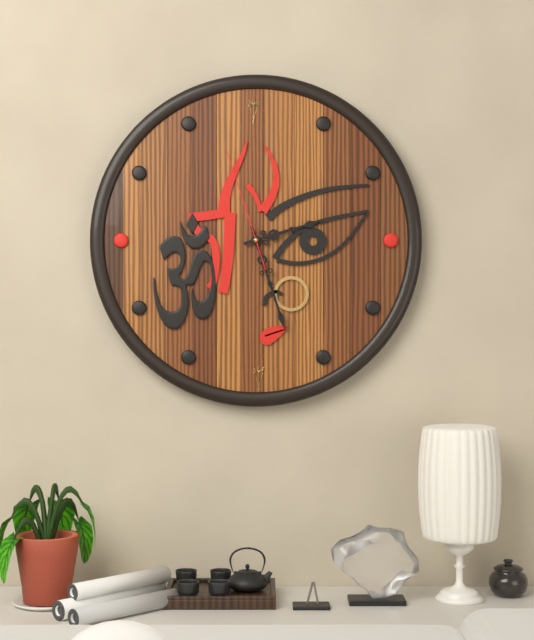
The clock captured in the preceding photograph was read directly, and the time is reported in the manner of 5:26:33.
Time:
2:27:57
